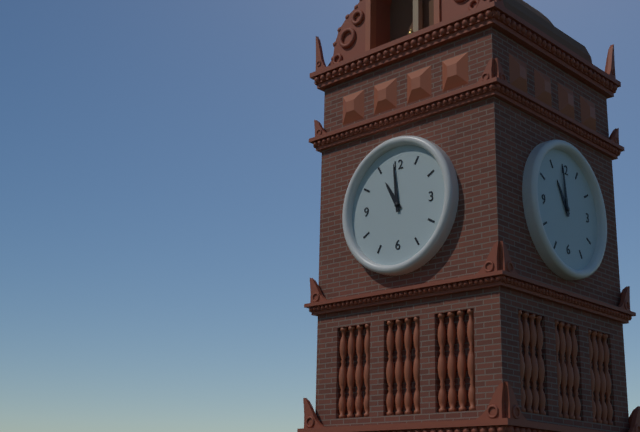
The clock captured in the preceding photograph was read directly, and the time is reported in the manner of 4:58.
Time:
10:59
